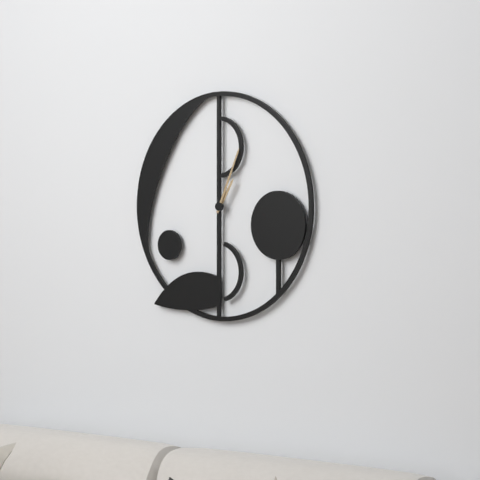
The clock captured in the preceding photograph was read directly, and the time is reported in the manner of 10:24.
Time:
1:04
